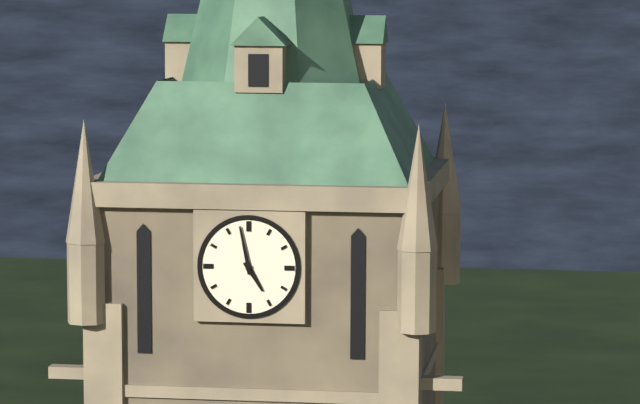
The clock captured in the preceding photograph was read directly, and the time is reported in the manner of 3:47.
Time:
4:58
